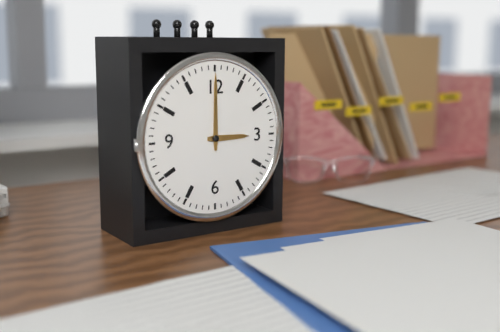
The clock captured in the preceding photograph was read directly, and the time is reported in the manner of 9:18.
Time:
3:00
